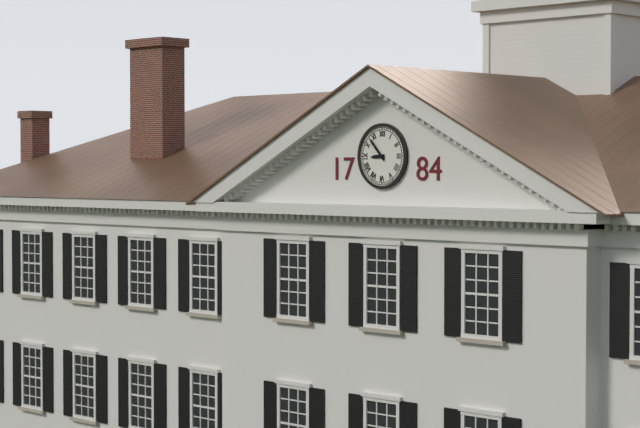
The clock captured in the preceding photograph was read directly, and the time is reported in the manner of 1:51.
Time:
8:53
